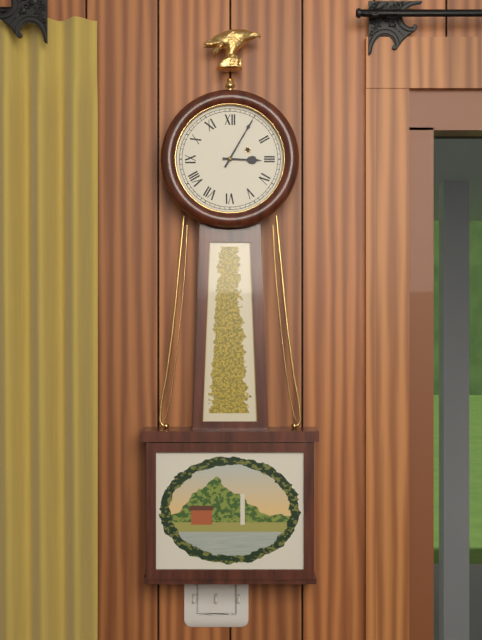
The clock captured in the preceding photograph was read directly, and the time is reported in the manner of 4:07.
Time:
3:05
